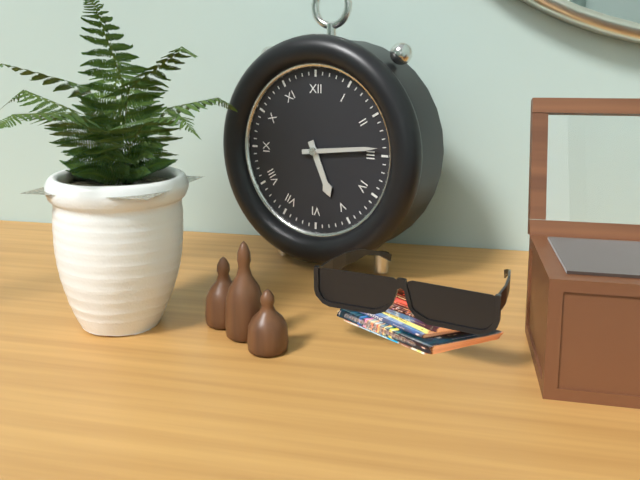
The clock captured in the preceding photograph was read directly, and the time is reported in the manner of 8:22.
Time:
5:14
